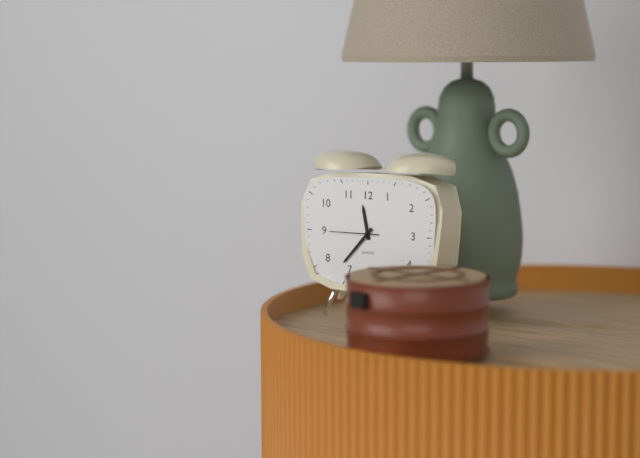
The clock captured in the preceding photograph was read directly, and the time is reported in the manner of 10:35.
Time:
11:37
